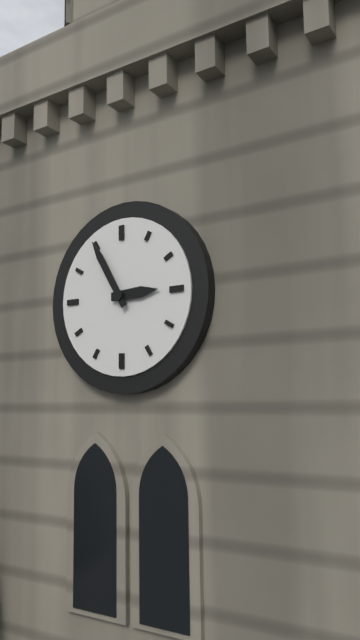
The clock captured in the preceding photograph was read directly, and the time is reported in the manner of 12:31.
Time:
2:55
